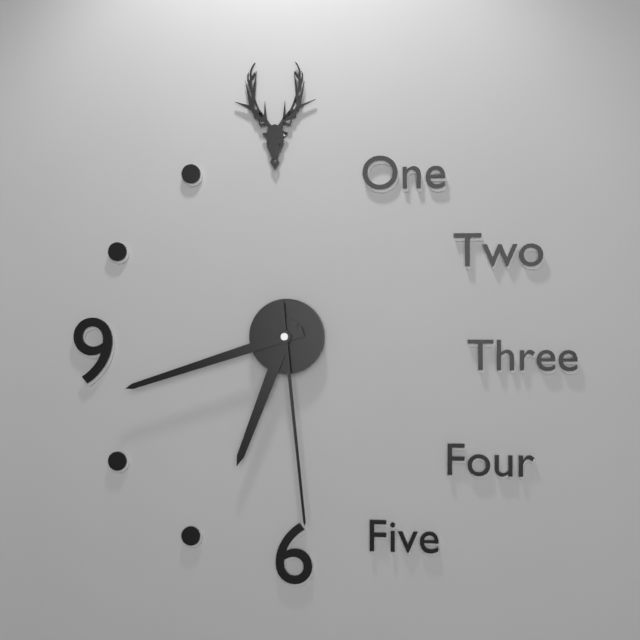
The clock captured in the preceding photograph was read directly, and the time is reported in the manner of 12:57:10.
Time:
6:42:29
